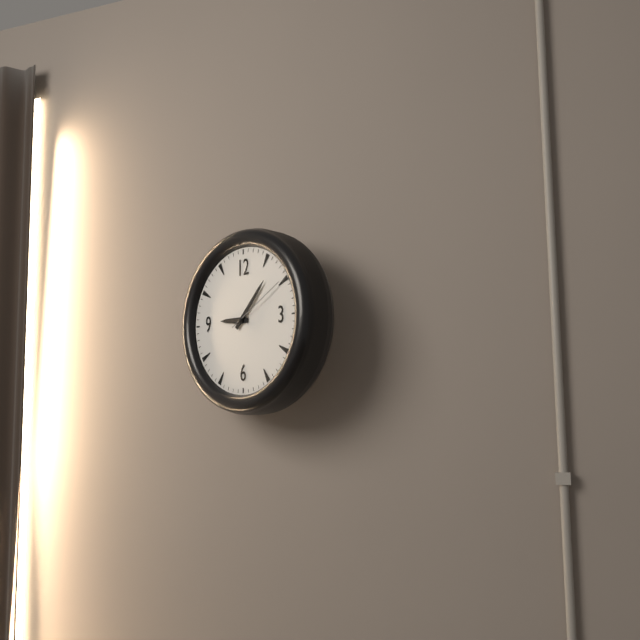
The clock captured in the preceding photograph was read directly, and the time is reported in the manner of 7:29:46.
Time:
9:07:10
